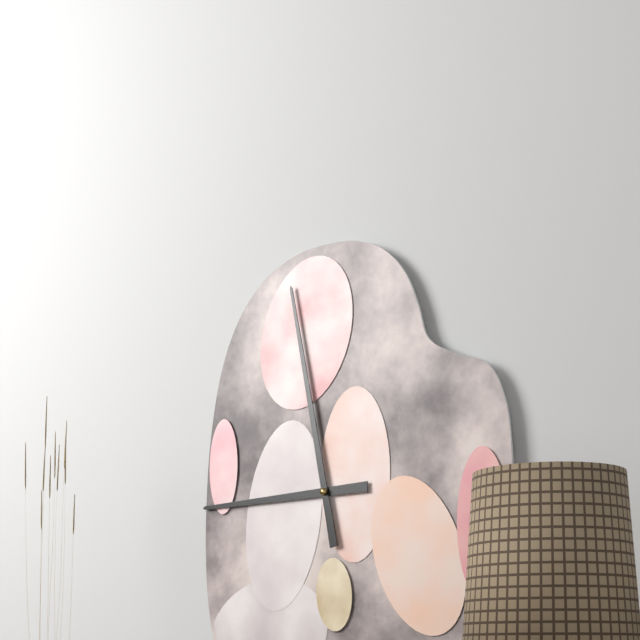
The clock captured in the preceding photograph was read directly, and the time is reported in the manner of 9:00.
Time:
8:58
